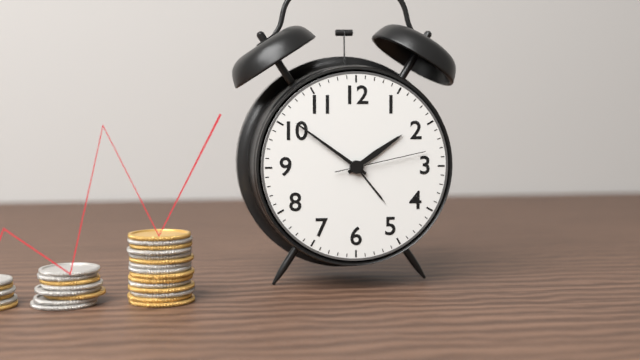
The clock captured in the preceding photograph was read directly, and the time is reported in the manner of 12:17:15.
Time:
1:51:13
